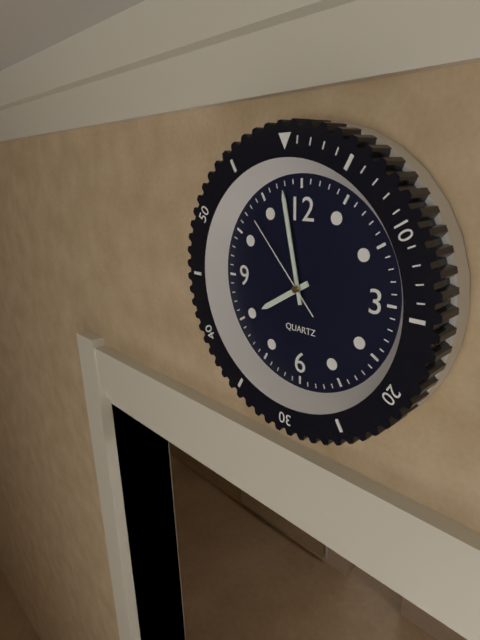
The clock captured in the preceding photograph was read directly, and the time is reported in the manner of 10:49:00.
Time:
7:58:53
